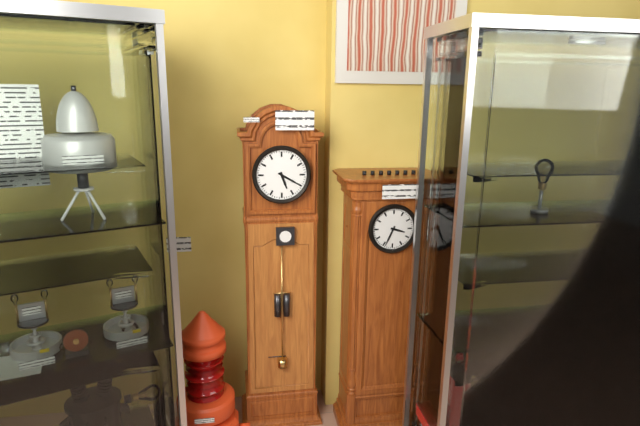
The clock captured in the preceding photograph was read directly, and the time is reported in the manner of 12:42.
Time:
5:20
